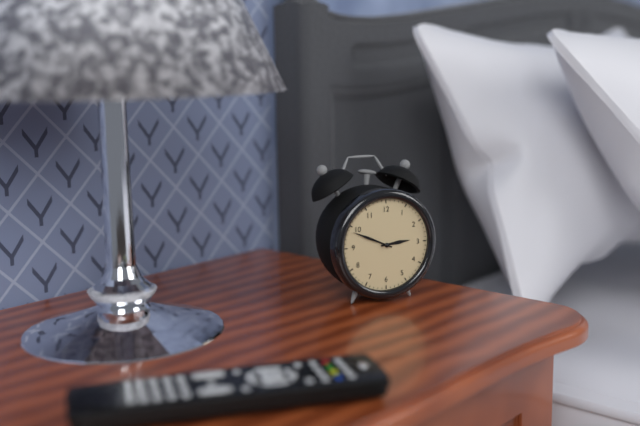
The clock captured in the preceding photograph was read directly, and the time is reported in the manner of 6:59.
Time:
2:49
